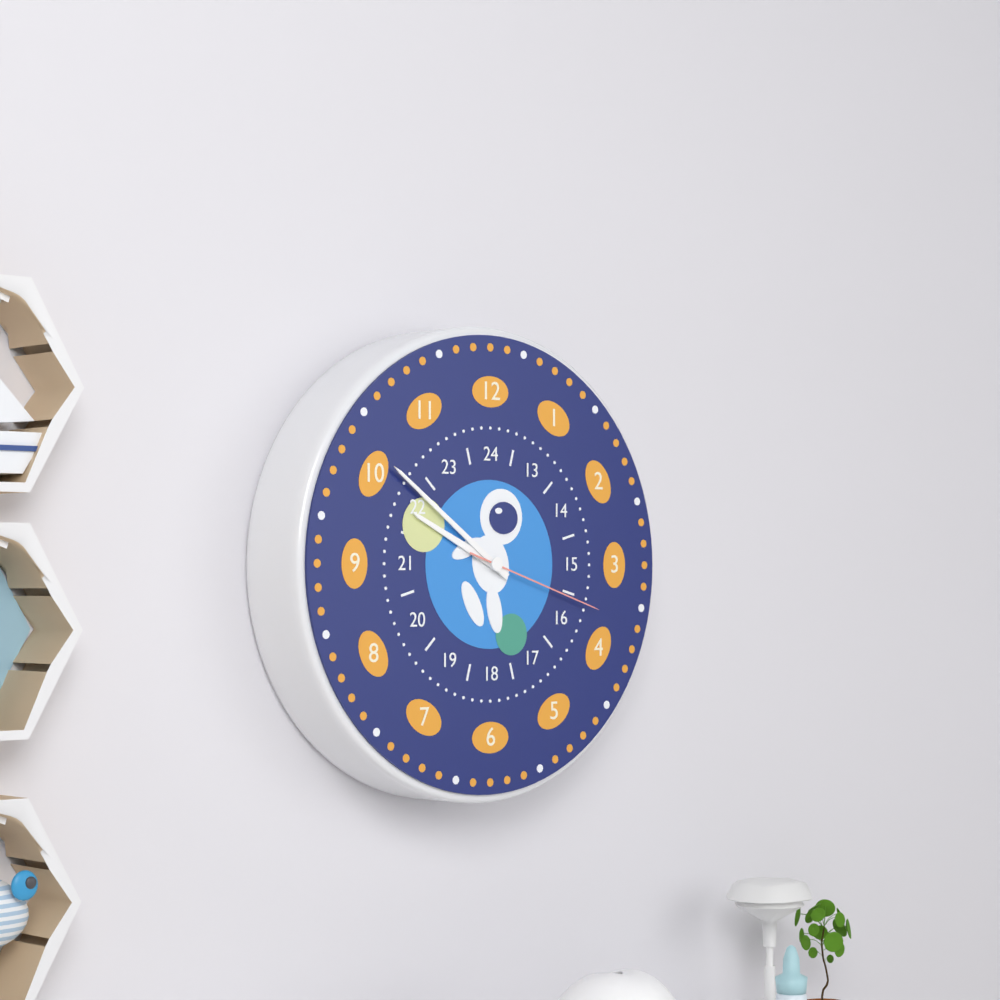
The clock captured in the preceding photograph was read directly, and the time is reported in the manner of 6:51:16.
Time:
9:51:18
